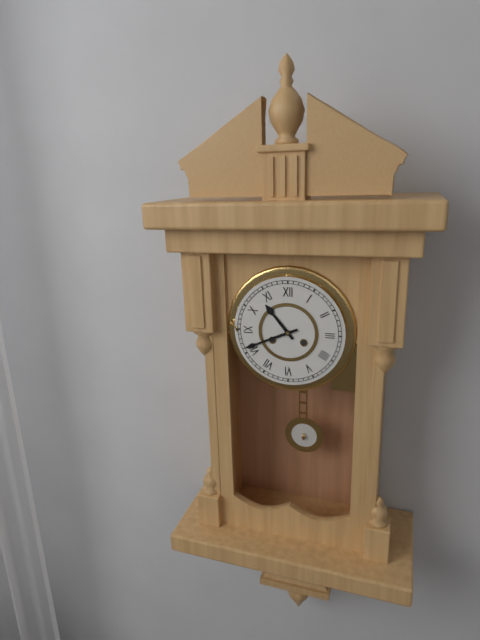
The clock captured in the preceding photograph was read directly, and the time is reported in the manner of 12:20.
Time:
10:41
